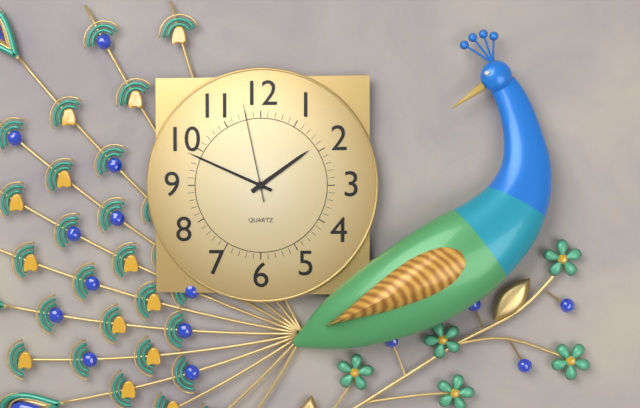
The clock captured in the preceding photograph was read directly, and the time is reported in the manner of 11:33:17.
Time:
1:49:58
